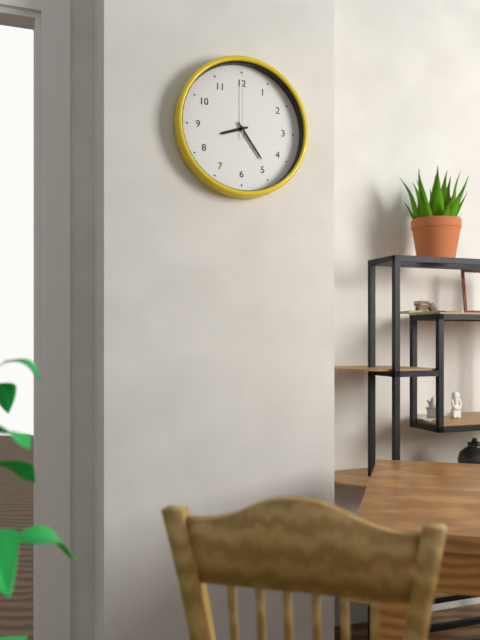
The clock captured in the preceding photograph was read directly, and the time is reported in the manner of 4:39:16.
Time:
8:24:00
